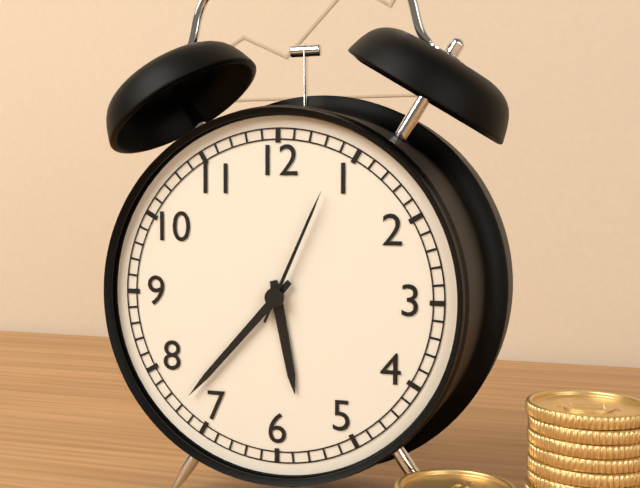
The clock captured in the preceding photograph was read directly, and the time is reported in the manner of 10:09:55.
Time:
5:37:04
